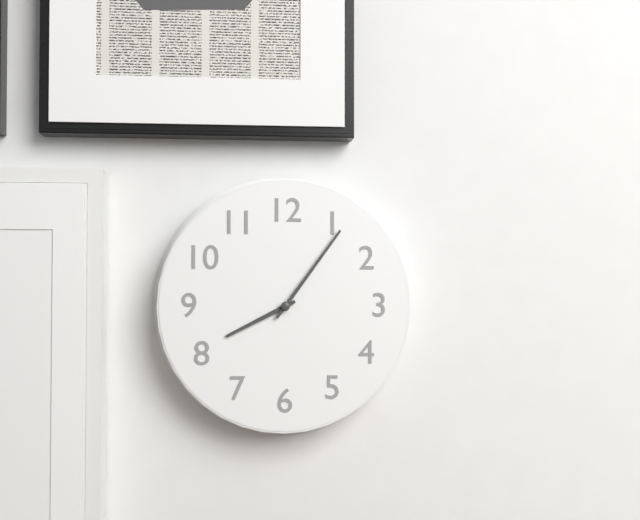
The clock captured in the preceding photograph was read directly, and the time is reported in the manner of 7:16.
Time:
8:06
